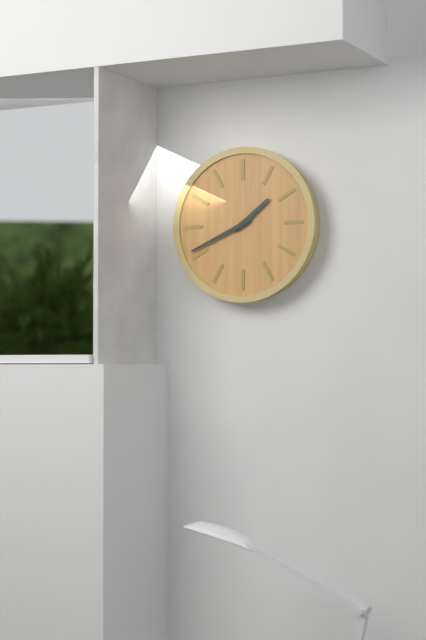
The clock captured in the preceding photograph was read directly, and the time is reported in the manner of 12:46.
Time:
1:41
